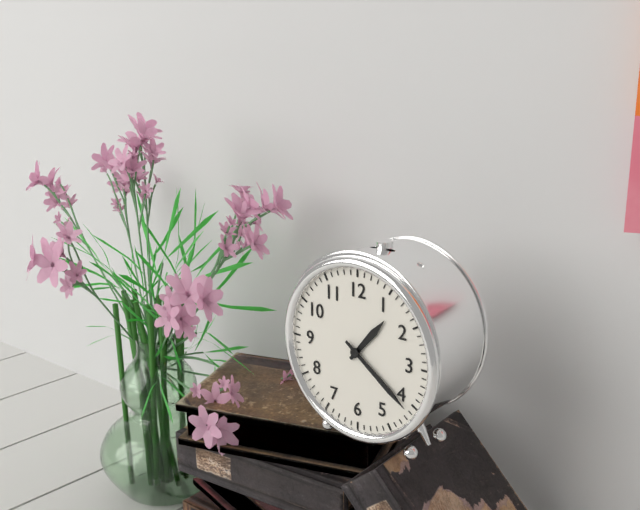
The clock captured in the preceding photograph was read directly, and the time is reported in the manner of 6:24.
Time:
1:21
